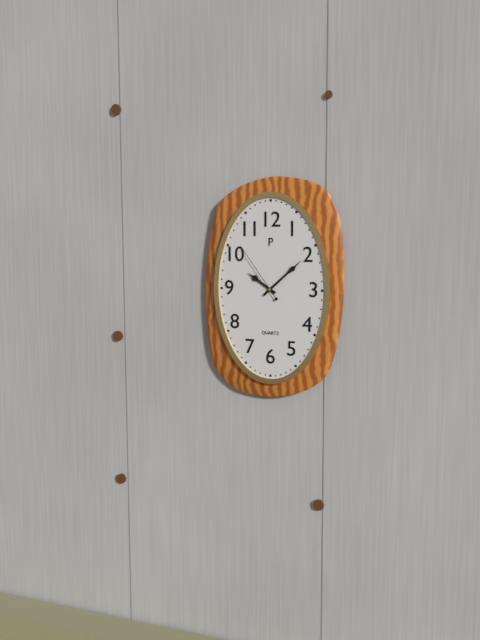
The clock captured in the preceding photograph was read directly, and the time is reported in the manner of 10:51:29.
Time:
10:08:54
